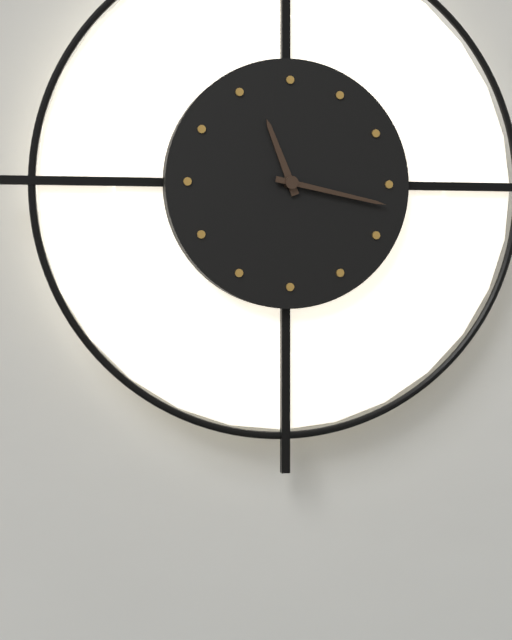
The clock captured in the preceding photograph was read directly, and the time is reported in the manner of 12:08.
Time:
11:17
